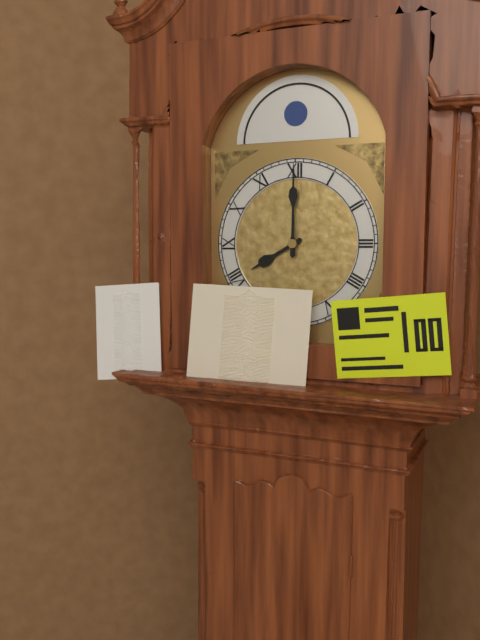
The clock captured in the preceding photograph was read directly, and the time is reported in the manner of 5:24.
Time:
8:00
